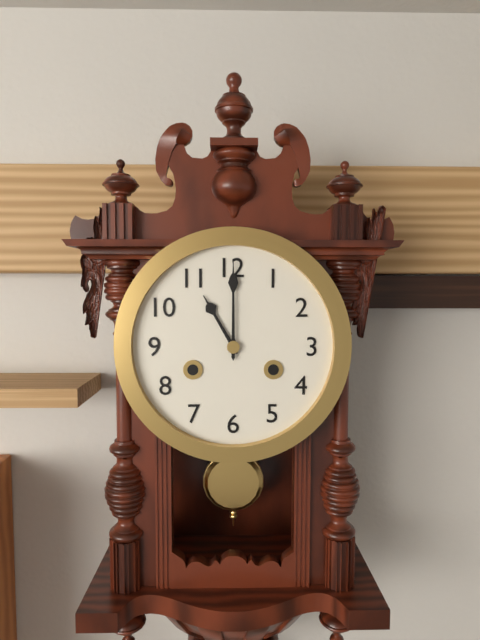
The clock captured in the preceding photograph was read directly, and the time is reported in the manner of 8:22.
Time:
11:00
